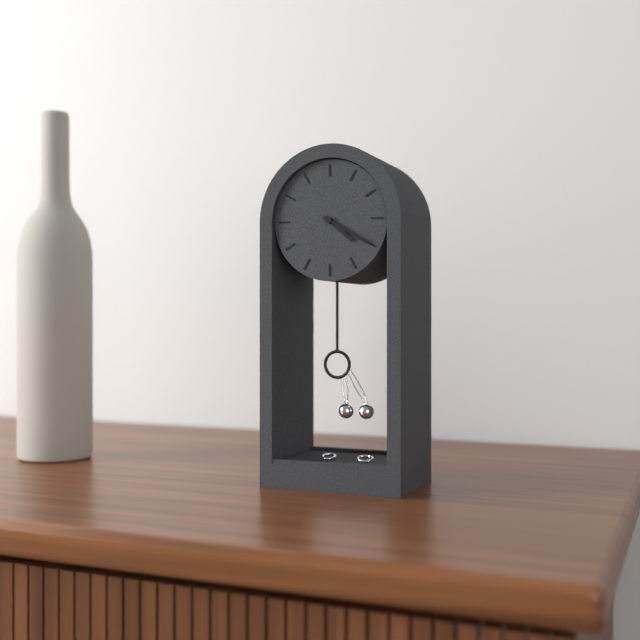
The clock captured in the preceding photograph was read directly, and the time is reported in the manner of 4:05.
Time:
4:20
